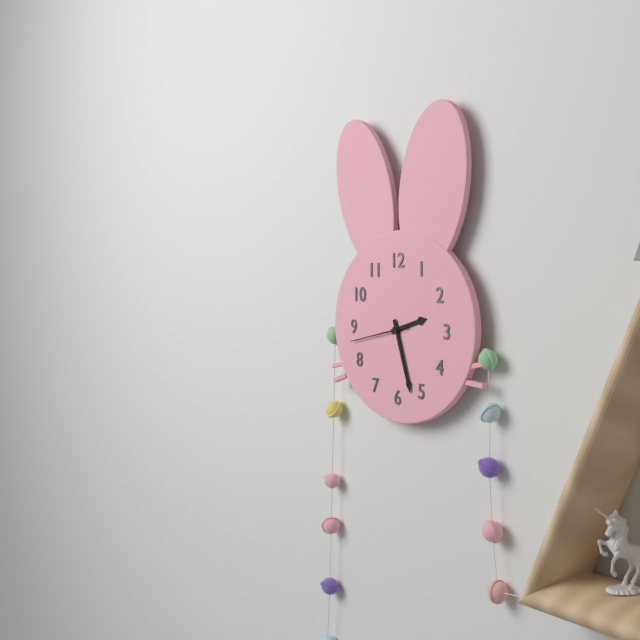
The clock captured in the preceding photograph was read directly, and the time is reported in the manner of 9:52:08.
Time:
2:27:43
